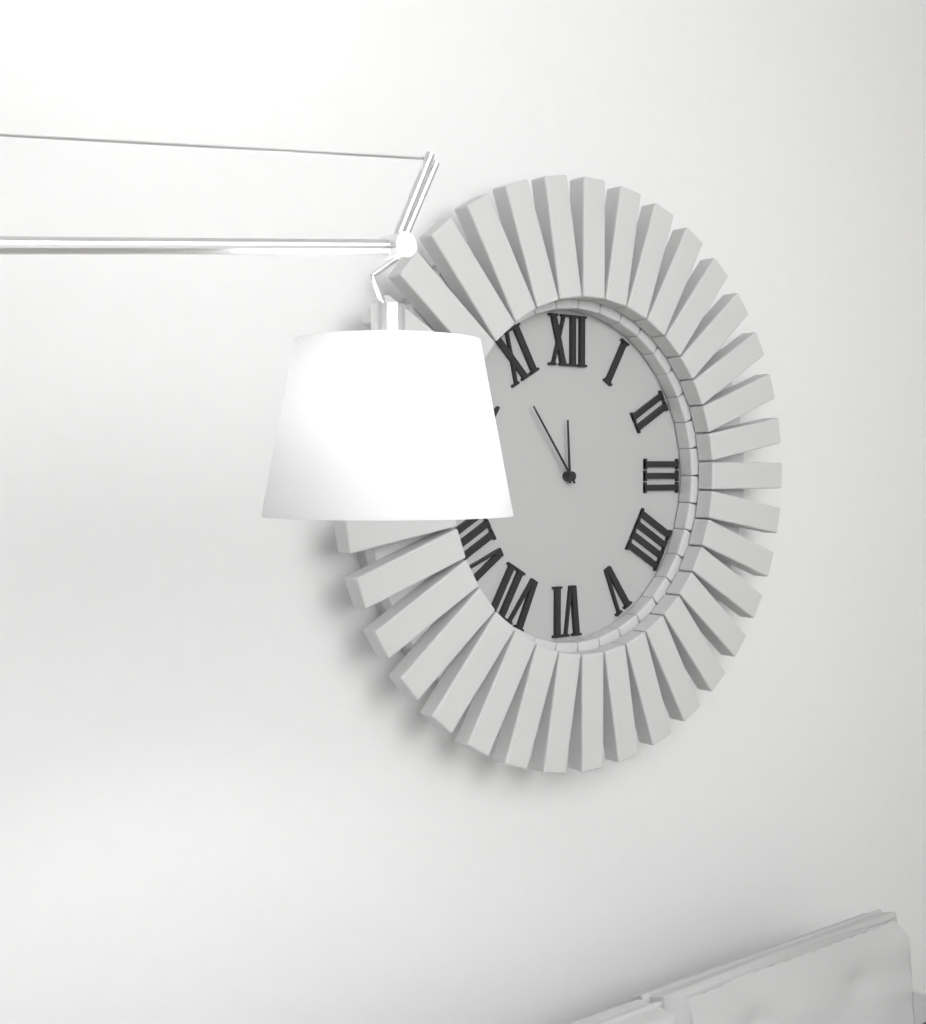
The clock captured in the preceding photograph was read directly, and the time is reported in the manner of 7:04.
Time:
11:54
